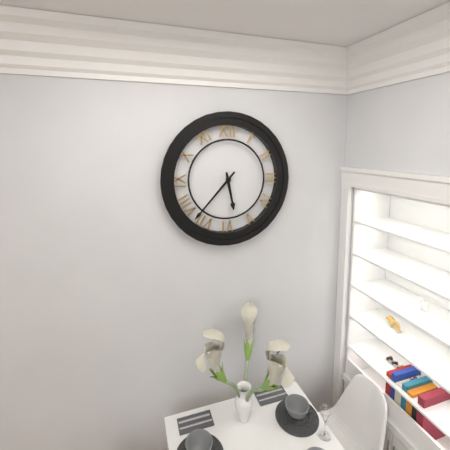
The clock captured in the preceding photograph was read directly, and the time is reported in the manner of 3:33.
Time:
5:37
